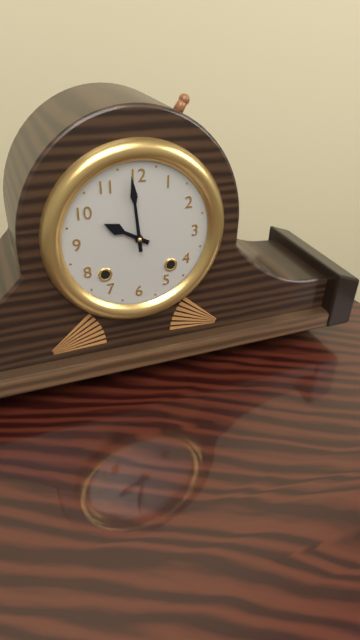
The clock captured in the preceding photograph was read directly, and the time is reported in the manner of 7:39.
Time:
9:59
